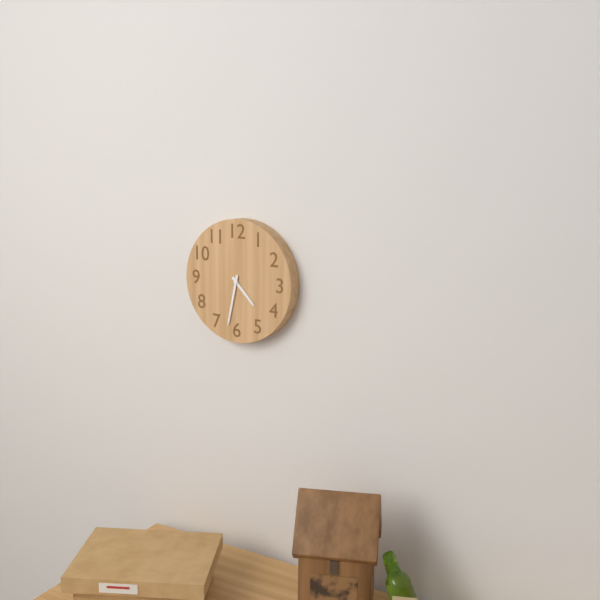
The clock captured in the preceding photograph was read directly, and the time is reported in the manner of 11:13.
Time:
4:32
